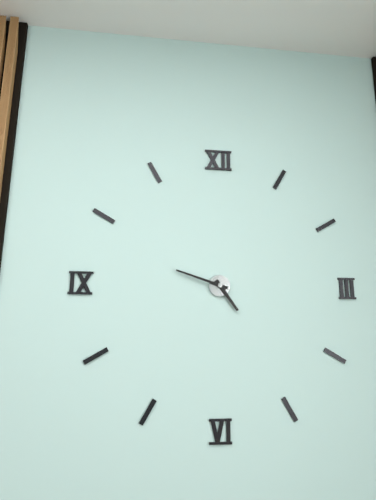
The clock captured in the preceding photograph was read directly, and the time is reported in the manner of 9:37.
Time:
4:48
